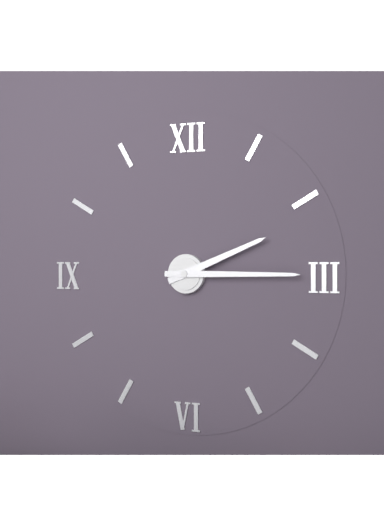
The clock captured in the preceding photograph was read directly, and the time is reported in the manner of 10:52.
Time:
2:15
